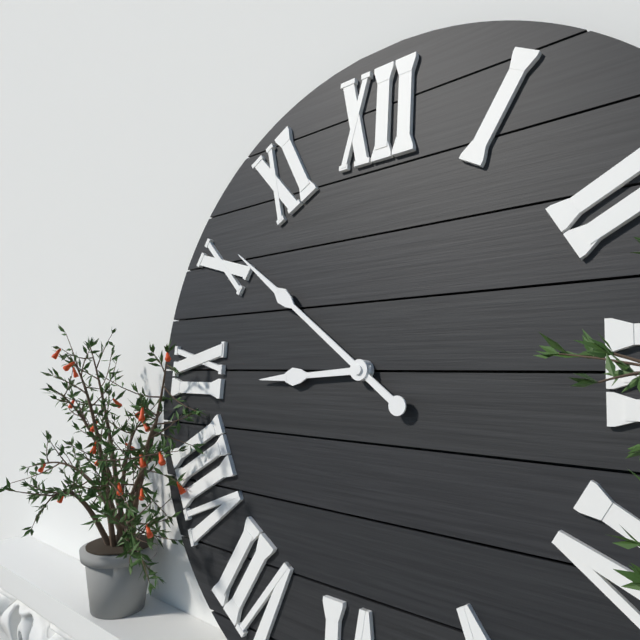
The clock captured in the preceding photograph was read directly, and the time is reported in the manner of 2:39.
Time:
8:51
